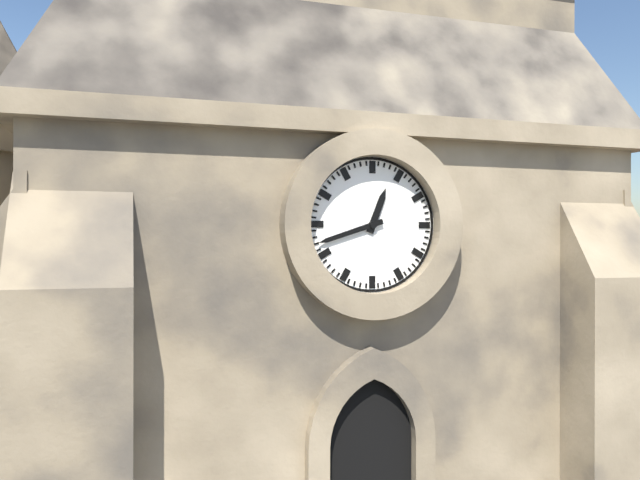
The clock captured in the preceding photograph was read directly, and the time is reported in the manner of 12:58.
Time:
12:42
